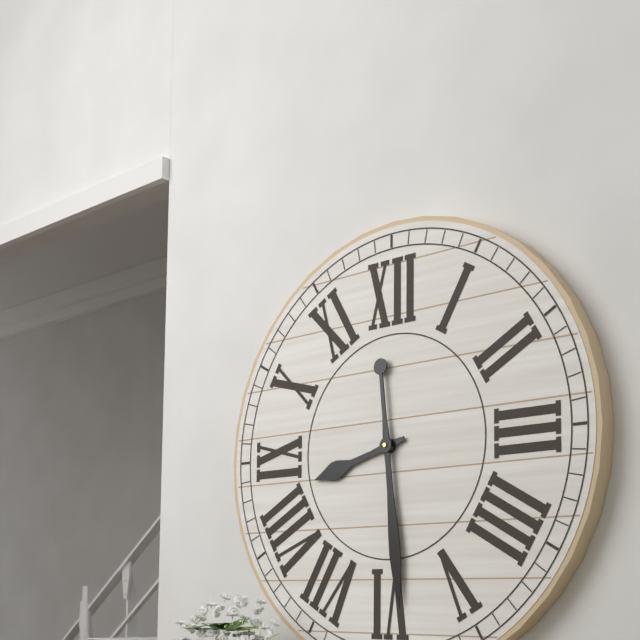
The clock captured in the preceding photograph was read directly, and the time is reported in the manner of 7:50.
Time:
8:29
